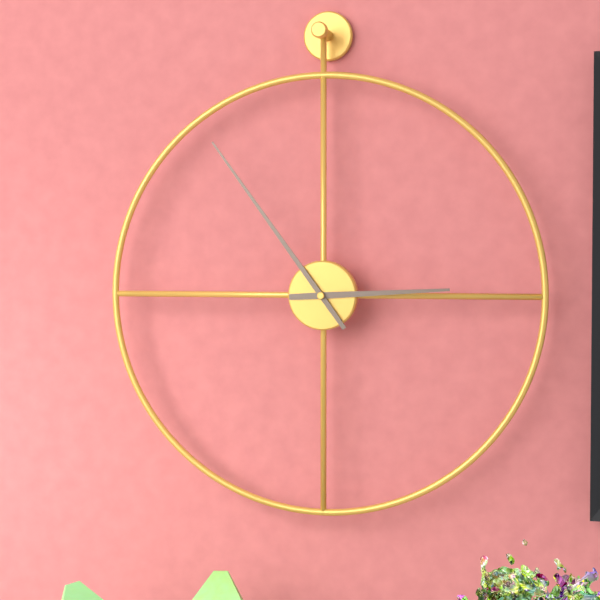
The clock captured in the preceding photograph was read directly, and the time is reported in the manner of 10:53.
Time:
2:54
